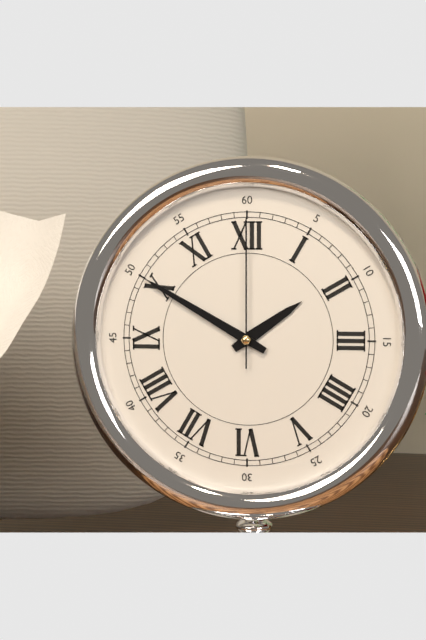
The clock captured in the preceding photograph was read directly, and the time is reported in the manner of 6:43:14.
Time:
1:50:00
